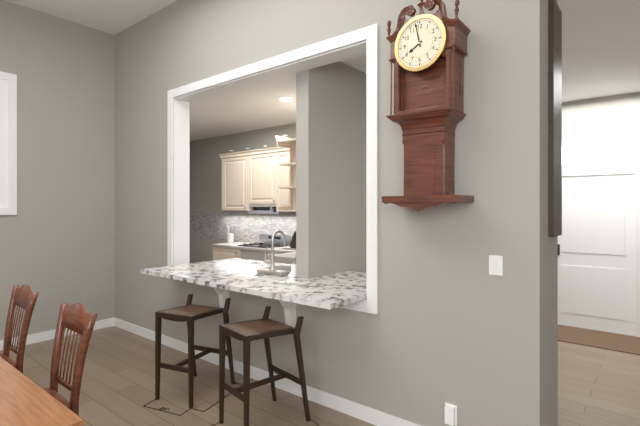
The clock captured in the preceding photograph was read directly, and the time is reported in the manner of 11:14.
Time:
7:58
